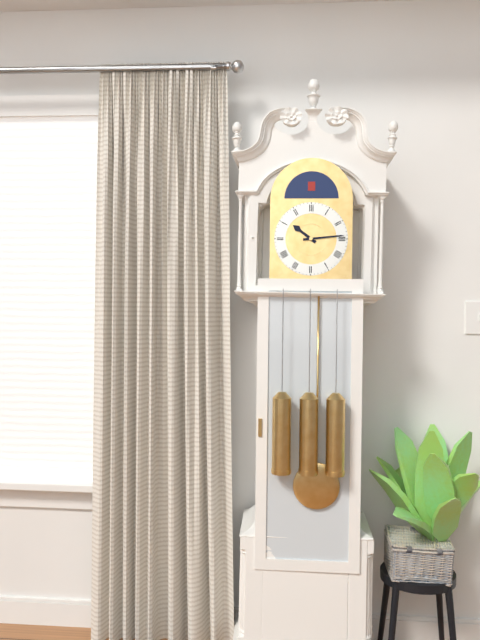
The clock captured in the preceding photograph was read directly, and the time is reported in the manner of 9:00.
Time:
10:14
